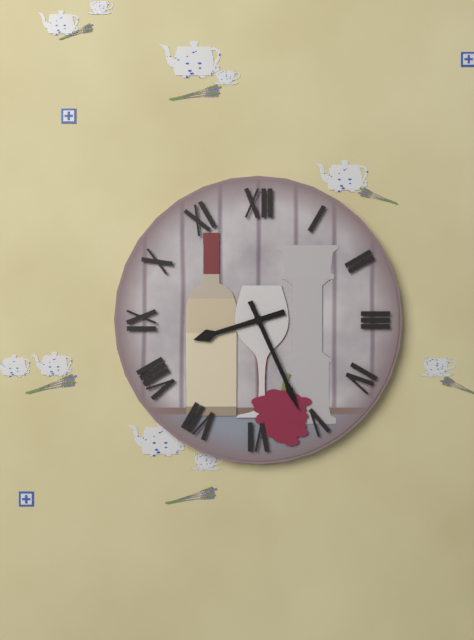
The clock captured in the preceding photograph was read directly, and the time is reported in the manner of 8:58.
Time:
8:26
